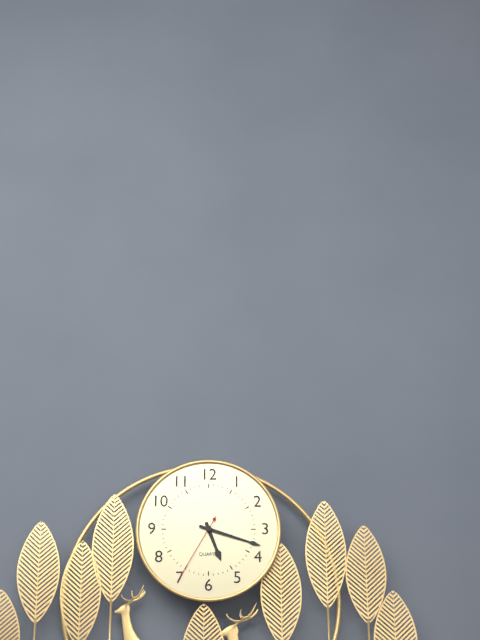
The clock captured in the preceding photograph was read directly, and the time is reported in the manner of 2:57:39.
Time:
5:18:35
